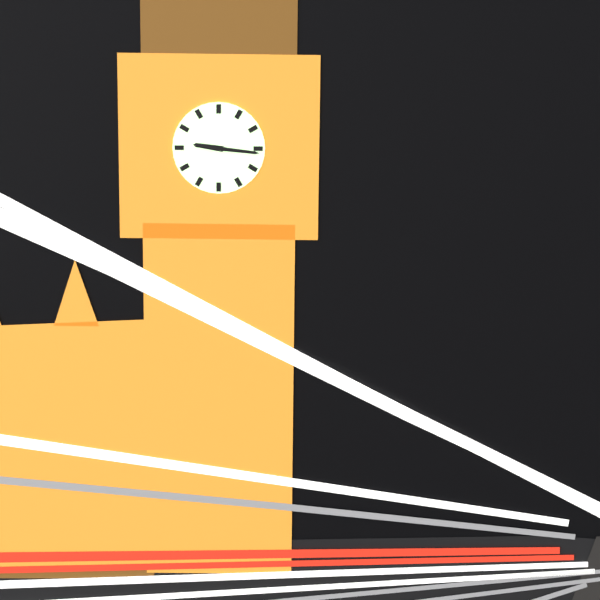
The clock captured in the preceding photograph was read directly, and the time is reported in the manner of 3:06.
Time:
9:16
